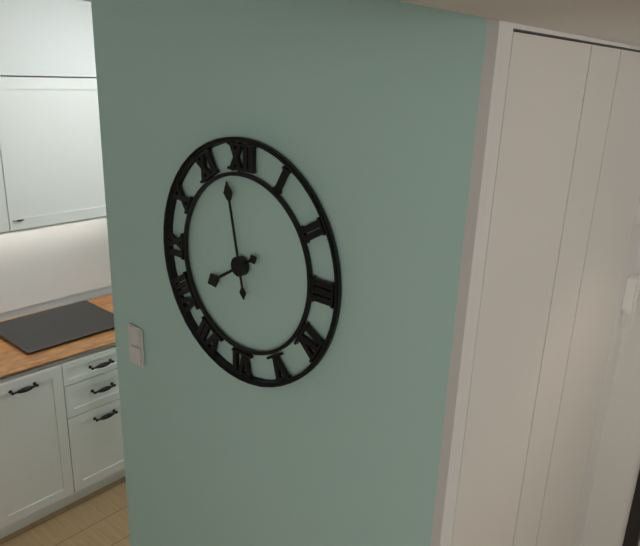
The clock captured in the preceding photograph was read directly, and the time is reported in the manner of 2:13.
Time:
7:58
